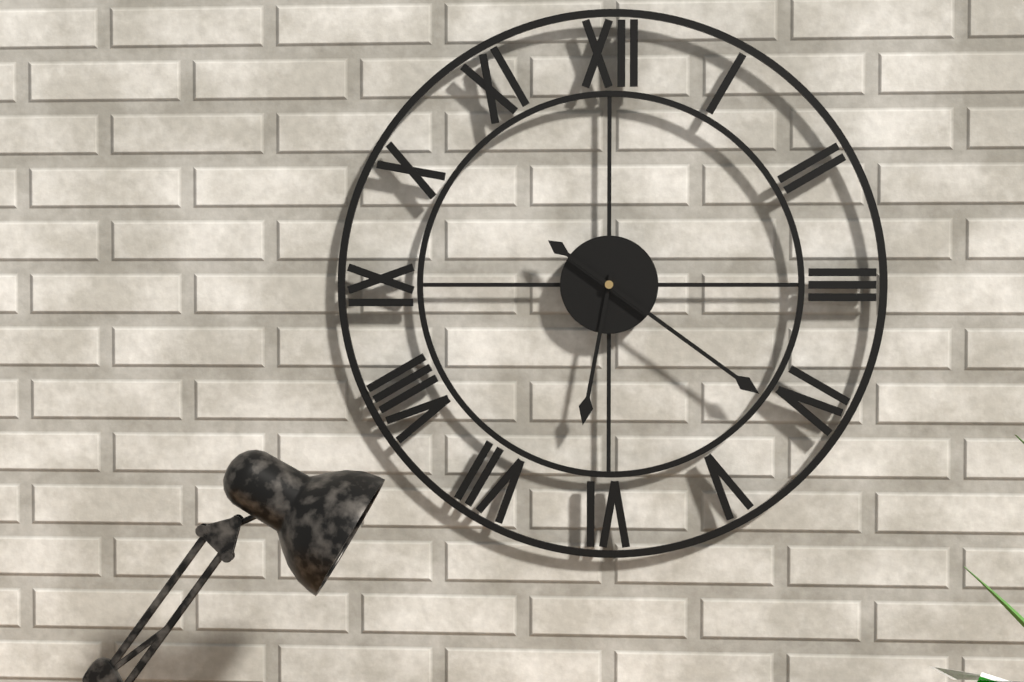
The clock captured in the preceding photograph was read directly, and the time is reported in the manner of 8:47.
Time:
6:21
